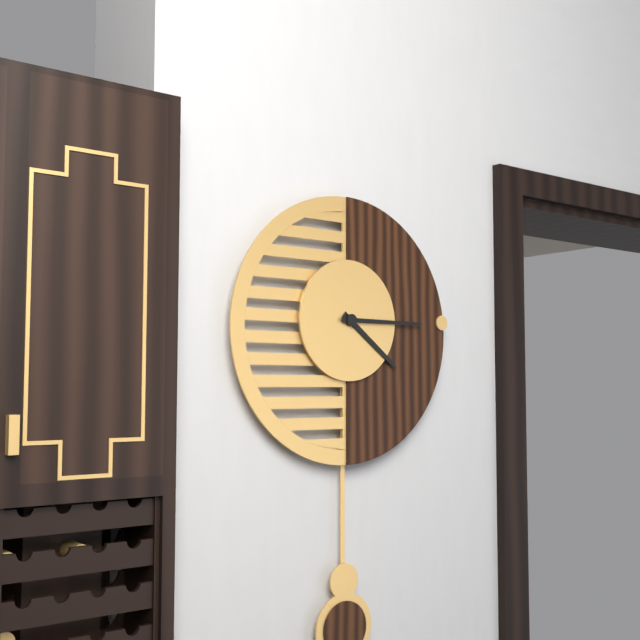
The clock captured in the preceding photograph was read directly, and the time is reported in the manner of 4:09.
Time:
4:15
